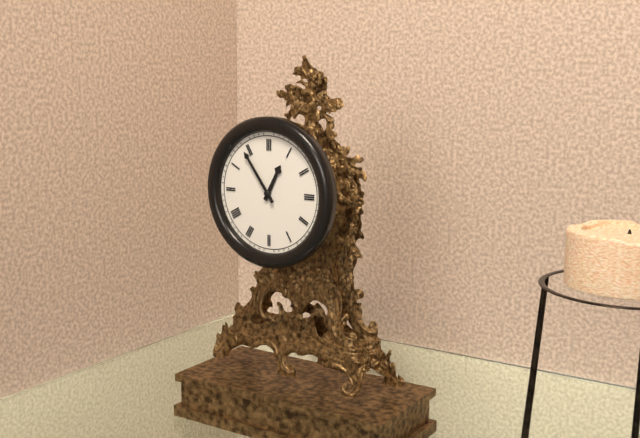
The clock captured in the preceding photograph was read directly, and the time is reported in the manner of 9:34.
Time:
12:54
